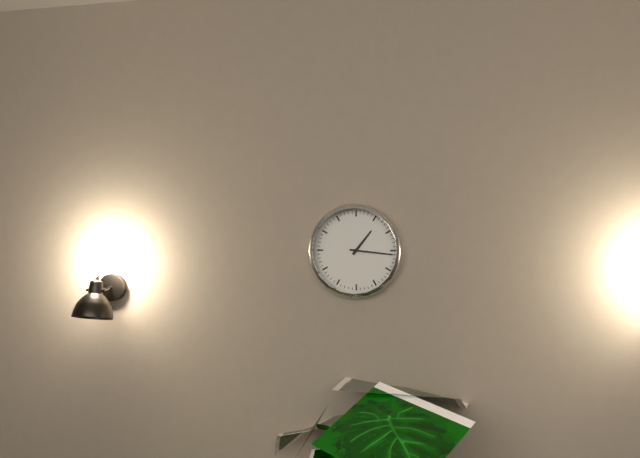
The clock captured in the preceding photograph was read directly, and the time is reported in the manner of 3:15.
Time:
1:16
